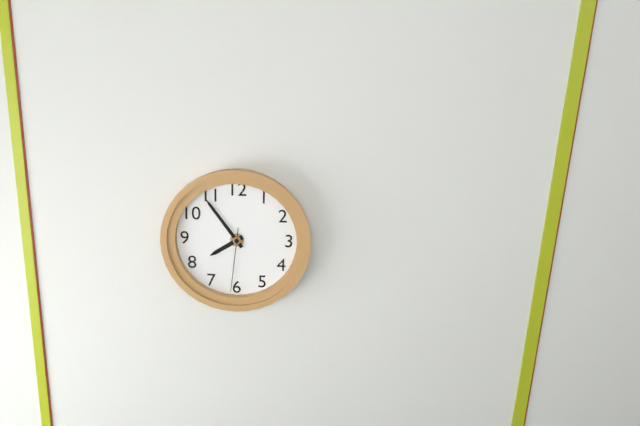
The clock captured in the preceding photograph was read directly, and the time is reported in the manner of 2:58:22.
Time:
7:54:31
